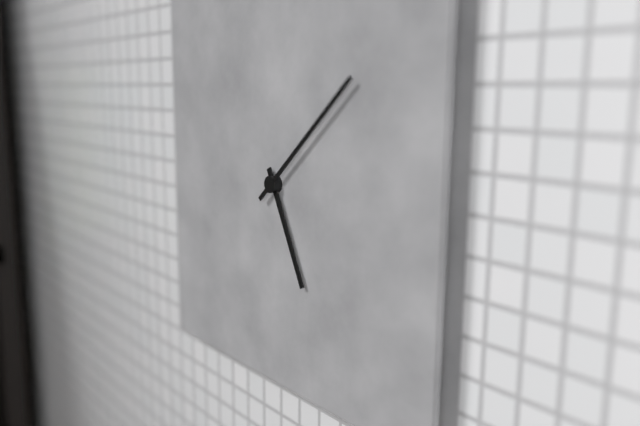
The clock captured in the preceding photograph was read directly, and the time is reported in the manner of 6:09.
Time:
5:08
